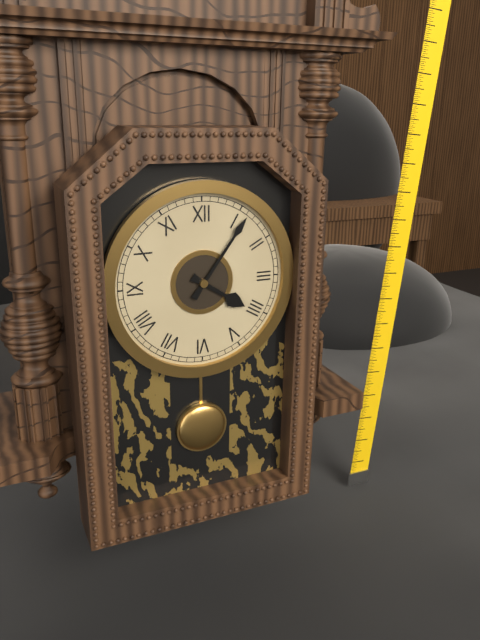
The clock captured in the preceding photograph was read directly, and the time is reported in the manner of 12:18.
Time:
4:06
